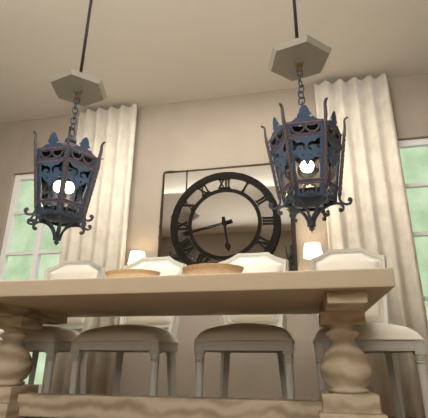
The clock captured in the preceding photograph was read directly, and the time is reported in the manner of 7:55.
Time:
5:43
